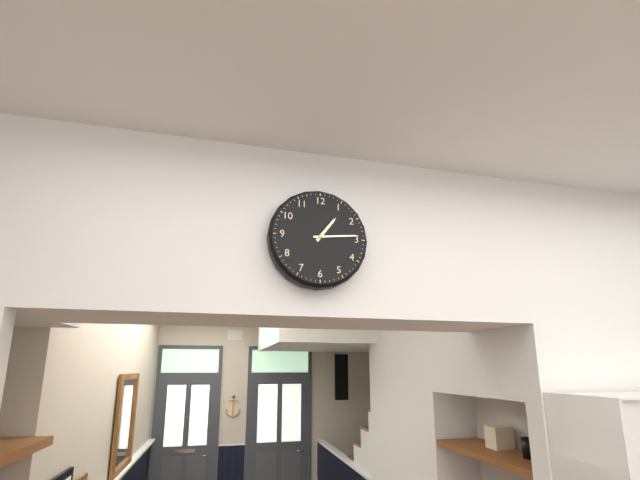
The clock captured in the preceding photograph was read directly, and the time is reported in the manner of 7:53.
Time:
1:14
